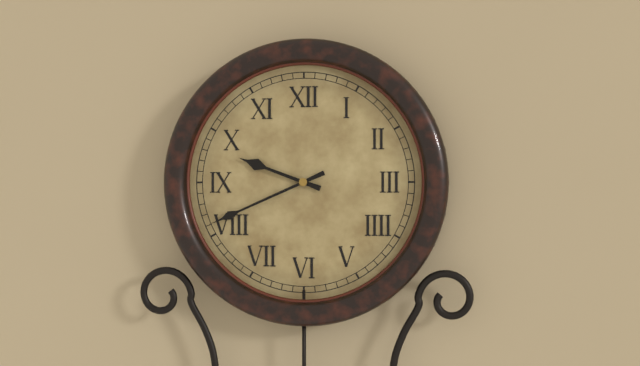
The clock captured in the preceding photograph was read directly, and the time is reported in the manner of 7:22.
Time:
9:41
